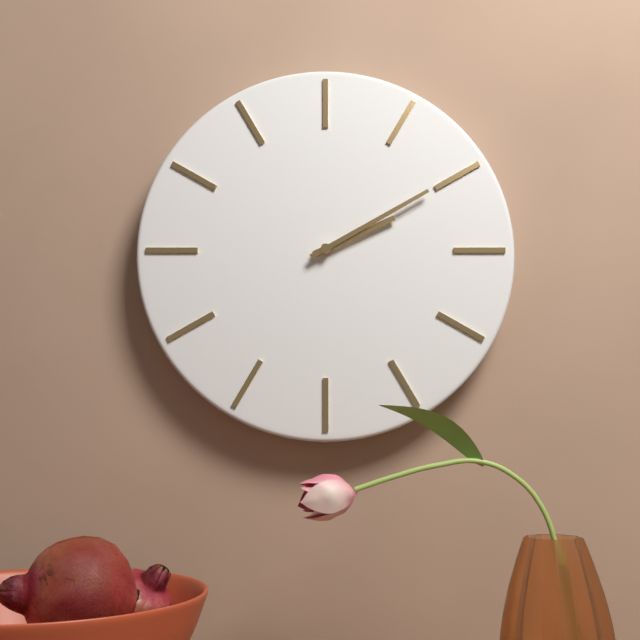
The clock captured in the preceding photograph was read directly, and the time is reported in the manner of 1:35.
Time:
2:10
